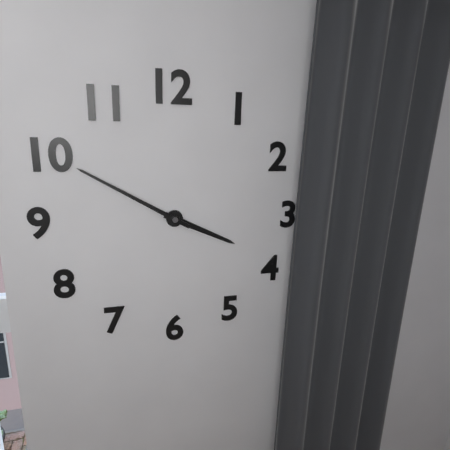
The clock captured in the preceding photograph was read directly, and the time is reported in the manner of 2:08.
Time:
3:50
